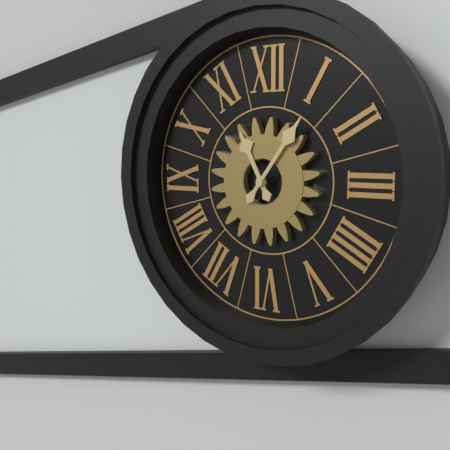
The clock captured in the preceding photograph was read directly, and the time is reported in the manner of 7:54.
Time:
11:06
